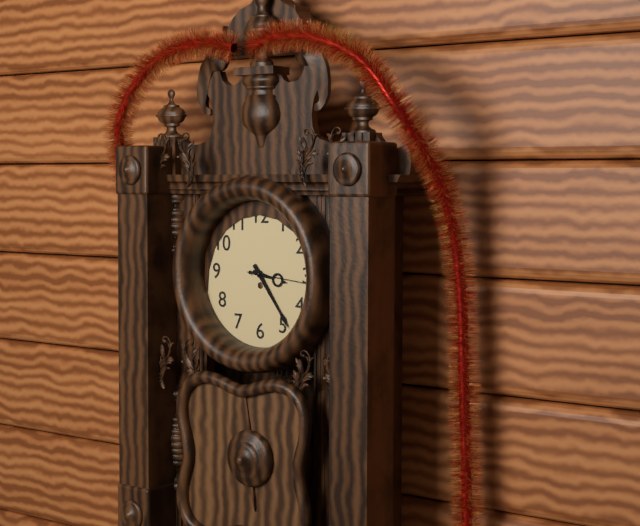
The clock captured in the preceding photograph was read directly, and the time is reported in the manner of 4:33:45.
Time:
3:24:16
